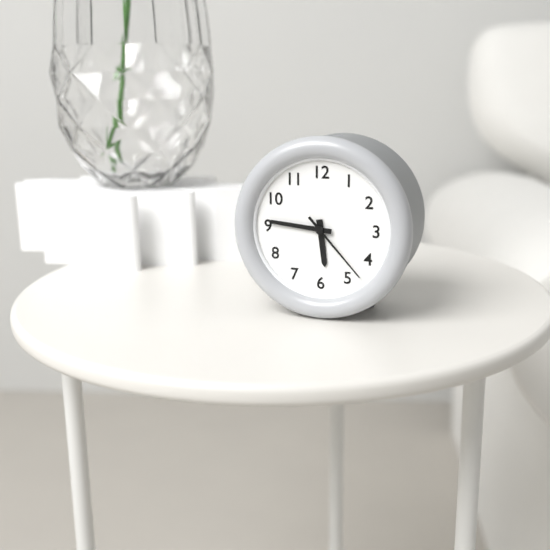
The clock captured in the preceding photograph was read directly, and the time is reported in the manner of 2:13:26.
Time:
5:46:23
